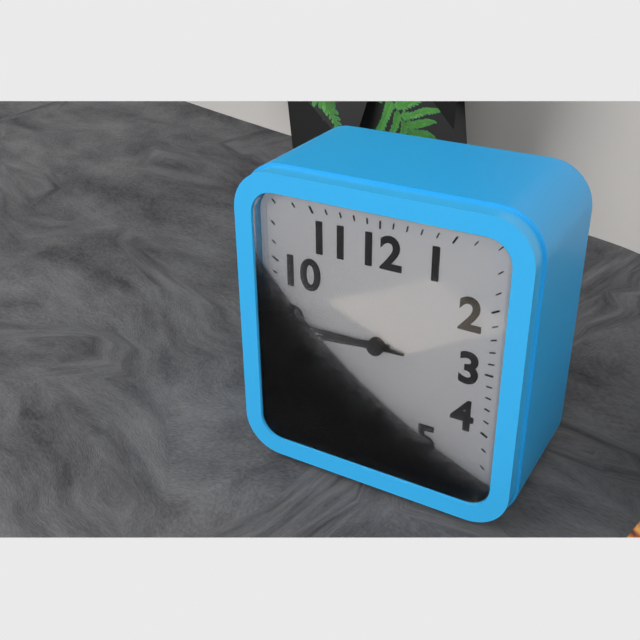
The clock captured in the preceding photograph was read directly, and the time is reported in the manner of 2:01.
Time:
8:45
